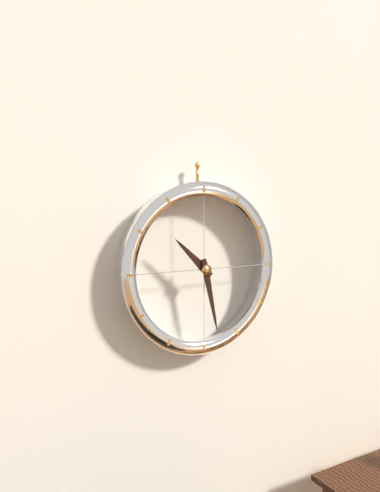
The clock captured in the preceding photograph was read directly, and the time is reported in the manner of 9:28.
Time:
10:28
